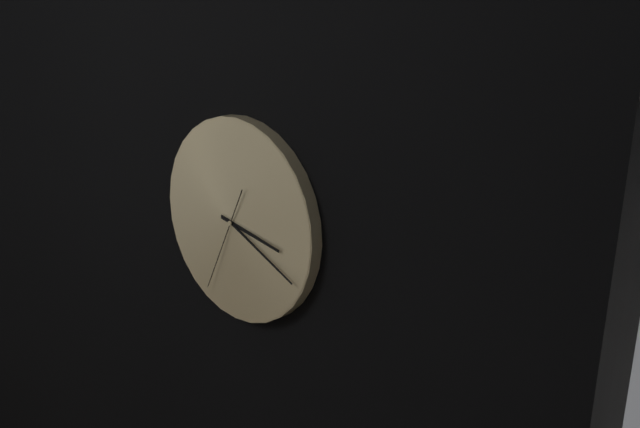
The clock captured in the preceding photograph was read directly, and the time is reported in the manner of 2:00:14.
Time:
3:19:34
